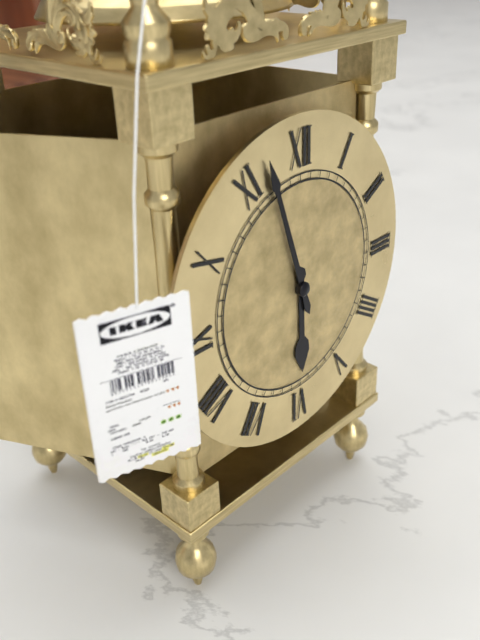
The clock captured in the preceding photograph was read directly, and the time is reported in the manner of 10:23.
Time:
5:57
